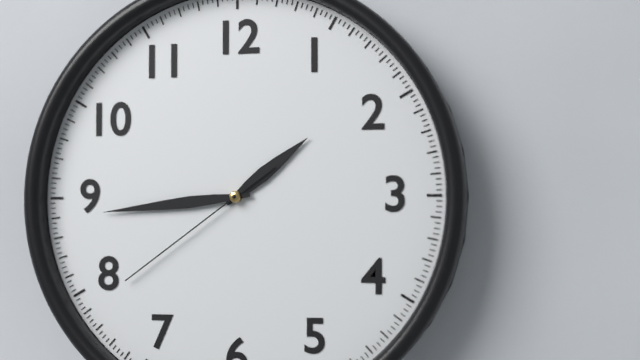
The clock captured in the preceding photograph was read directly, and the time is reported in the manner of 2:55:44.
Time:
1:44:39
